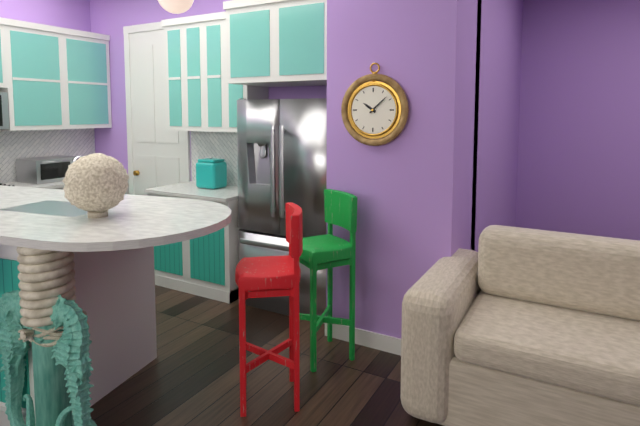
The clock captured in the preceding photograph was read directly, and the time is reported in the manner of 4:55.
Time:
10:08
